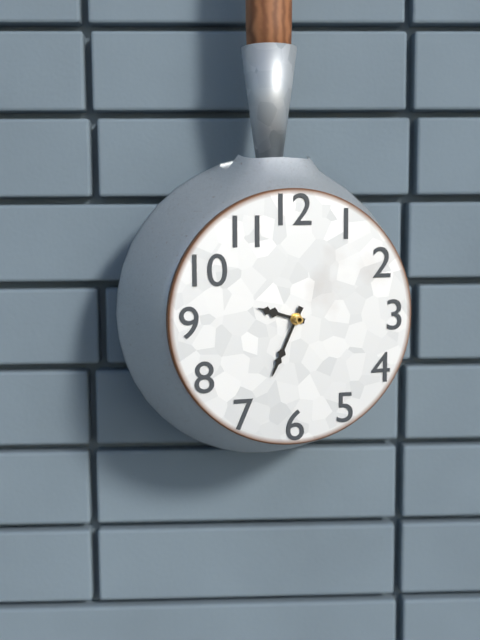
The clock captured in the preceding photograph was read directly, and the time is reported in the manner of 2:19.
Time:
9:34
